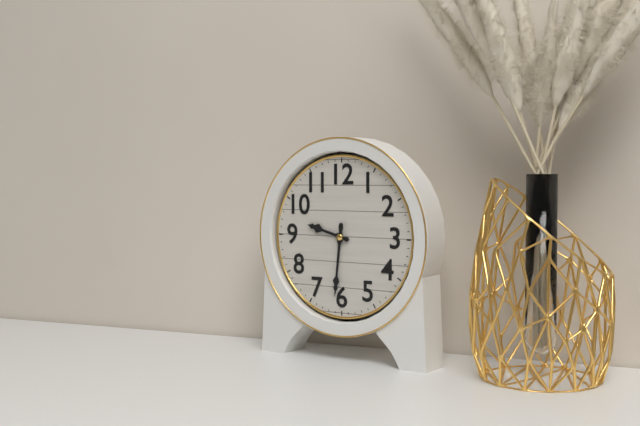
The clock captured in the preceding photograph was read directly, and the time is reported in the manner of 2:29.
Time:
9:31
